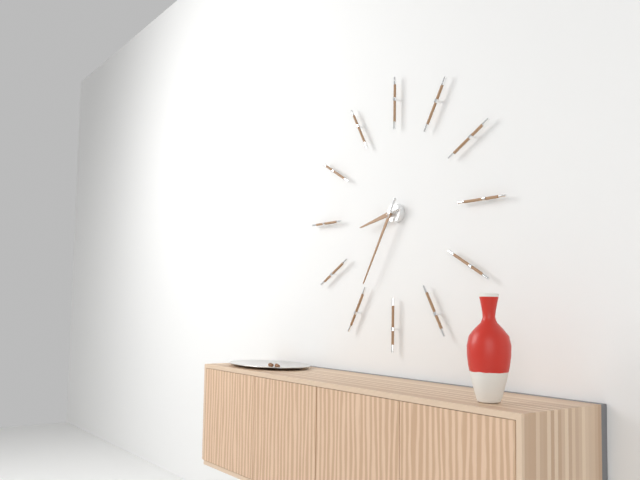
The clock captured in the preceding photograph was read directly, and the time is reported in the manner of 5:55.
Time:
8:35
